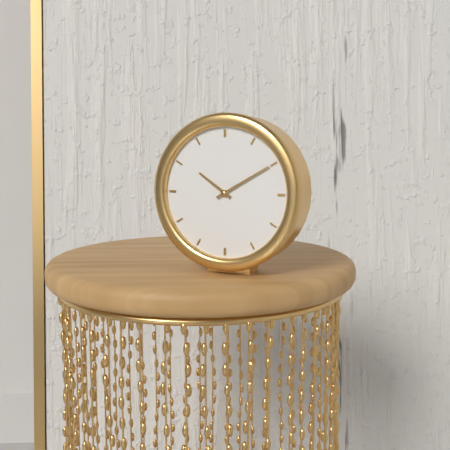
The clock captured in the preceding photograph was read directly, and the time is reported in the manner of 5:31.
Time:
10:10
